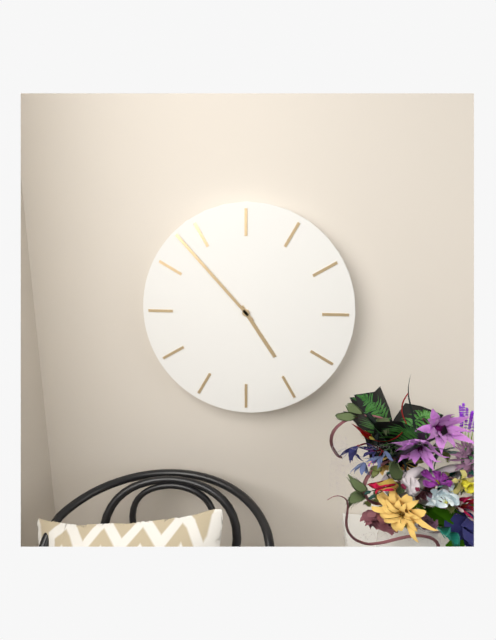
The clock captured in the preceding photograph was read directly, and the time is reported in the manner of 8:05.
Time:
4:53
